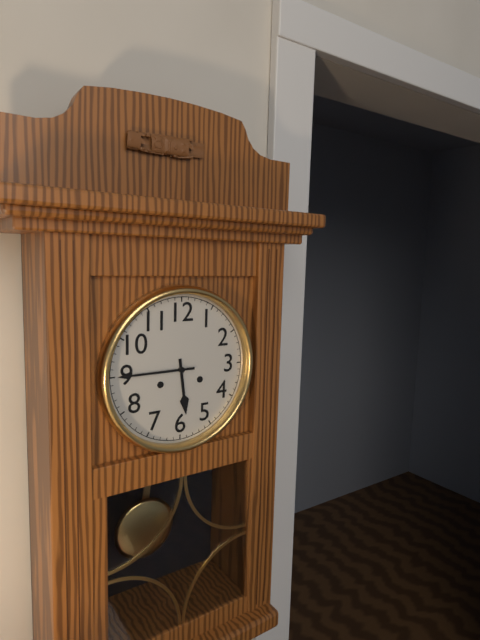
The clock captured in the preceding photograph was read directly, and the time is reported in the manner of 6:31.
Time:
5:45
